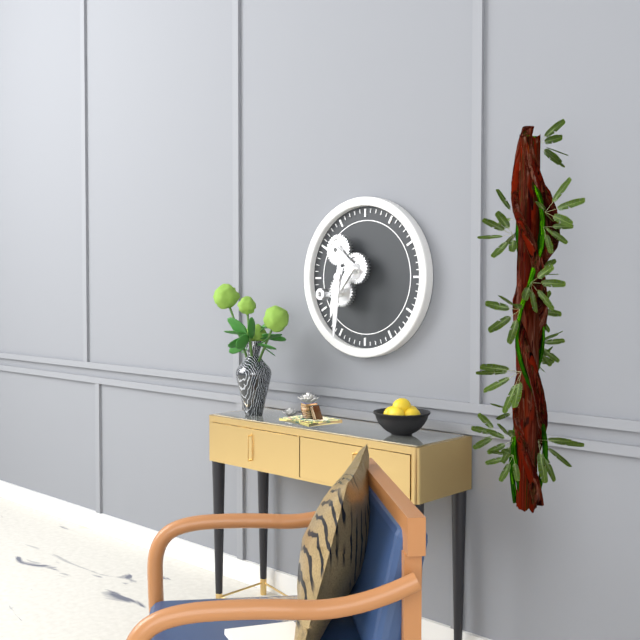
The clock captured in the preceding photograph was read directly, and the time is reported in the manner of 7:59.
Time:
6:31
